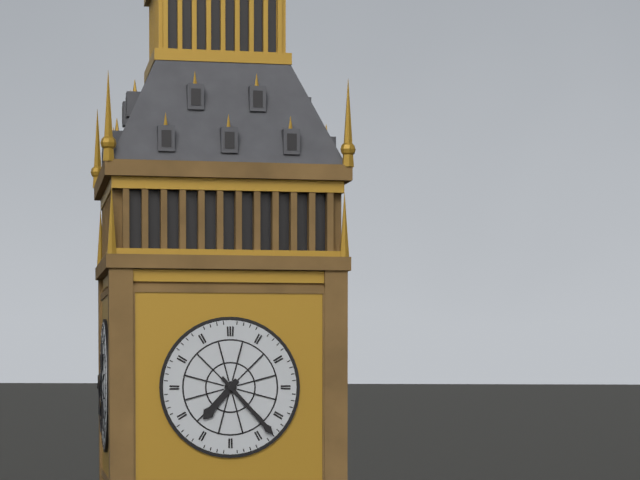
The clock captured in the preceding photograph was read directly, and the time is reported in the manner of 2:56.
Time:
7:23
